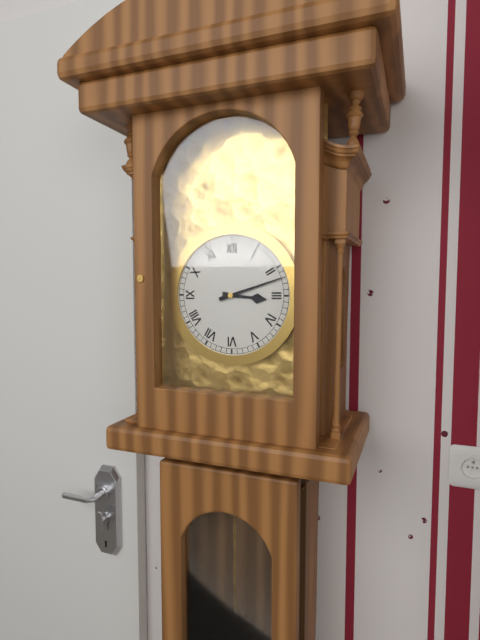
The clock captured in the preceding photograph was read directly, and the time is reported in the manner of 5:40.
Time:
3:12
